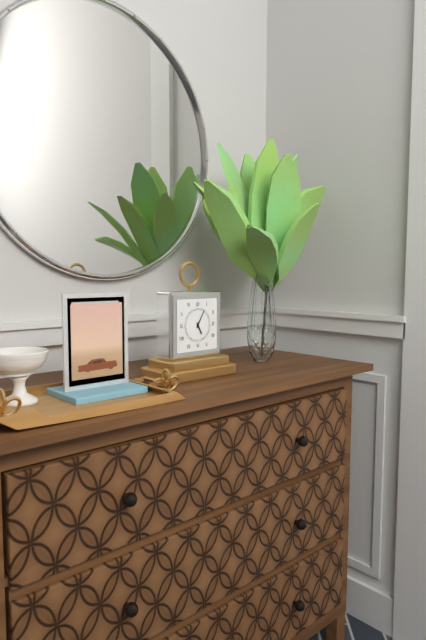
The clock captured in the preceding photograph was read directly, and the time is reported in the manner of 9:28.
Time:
5:05
